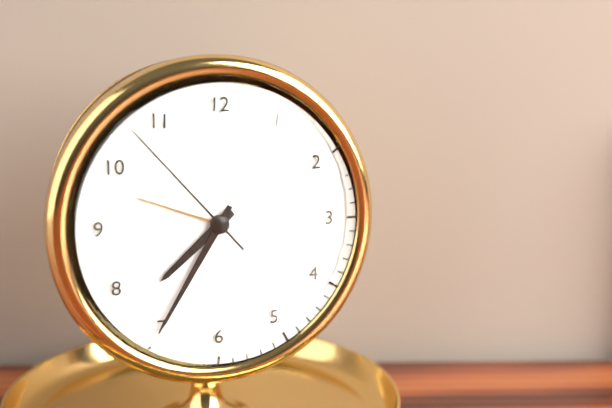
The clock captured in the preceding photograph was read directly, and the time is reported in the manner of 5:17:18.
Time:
7:35:53
